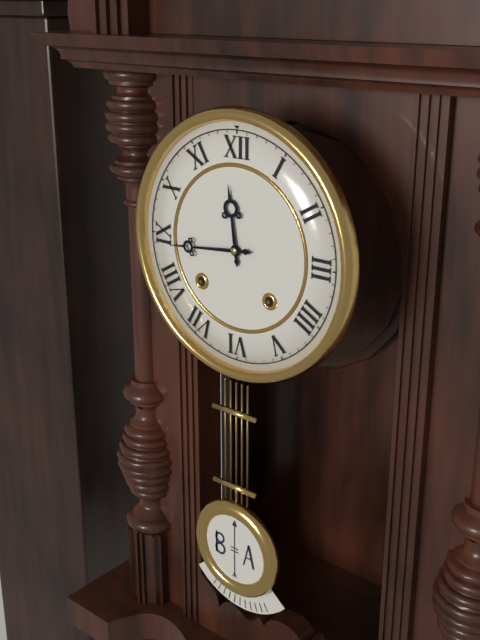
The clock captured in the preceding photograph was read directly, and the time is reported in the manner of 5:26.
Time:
11:44
